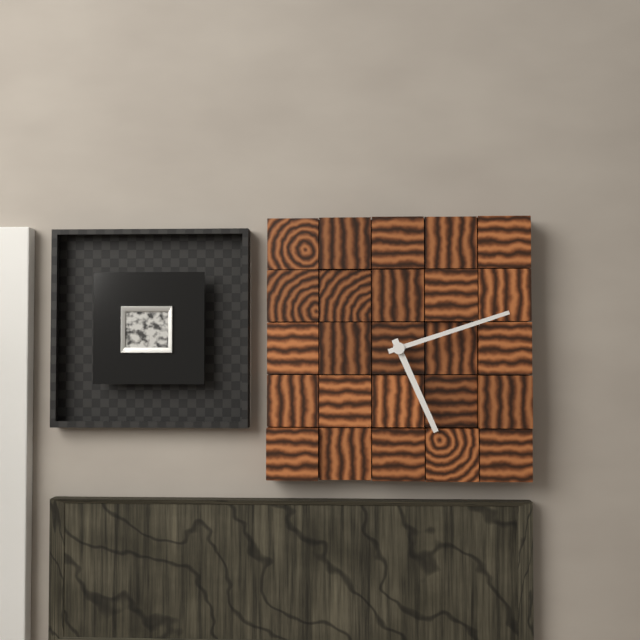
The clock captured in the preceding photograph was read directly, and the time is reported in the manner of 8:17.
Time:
5:12
